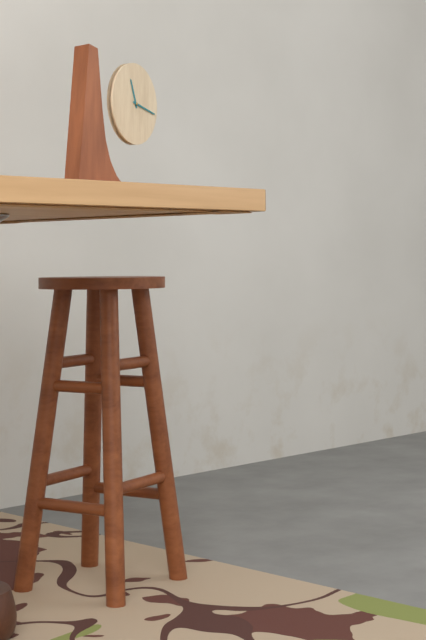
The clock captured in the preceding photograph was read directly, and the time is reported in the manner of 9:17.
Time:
11:17
